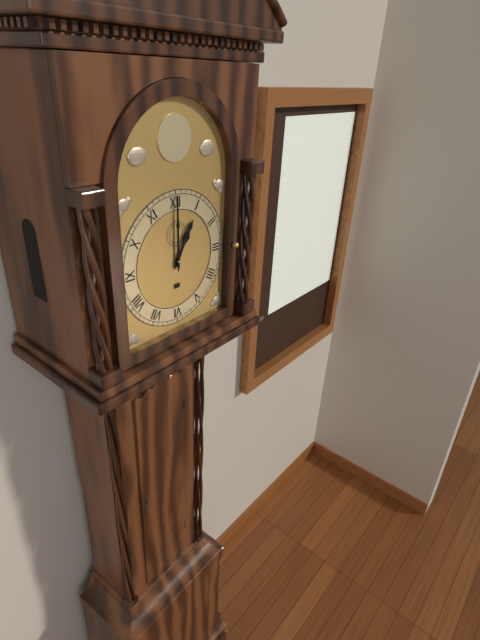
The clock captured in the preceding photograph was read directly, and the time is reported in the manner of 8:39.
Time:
1:00
